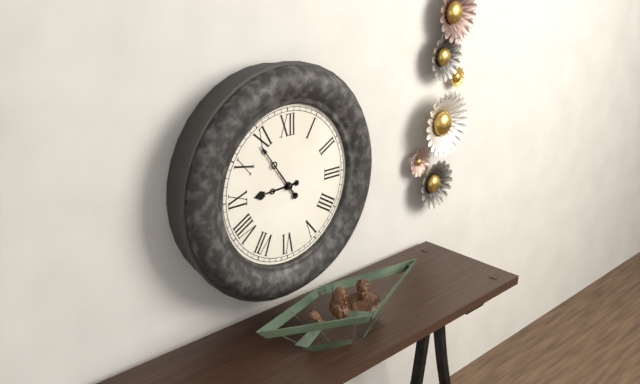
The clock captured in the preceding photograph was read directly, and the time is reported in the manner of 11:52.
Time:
8:54
